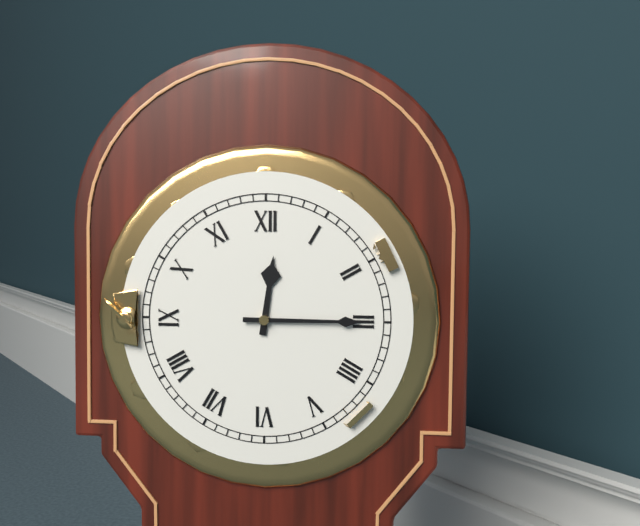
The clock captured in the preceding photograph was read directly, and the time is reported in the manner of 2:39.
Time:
12:15
